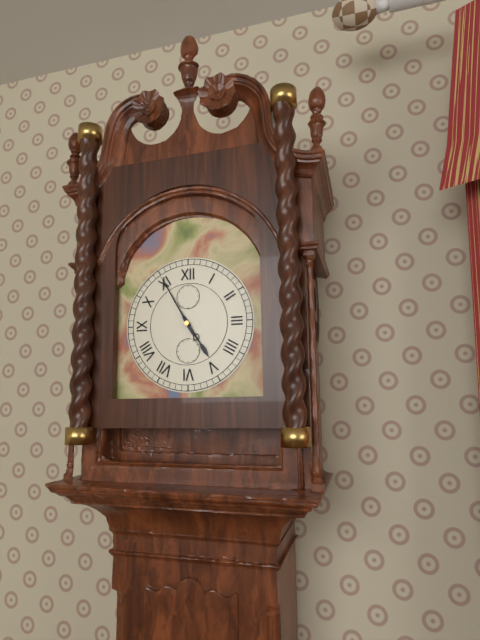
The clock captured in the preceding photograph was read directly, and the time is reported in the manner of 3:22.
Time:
4:55
